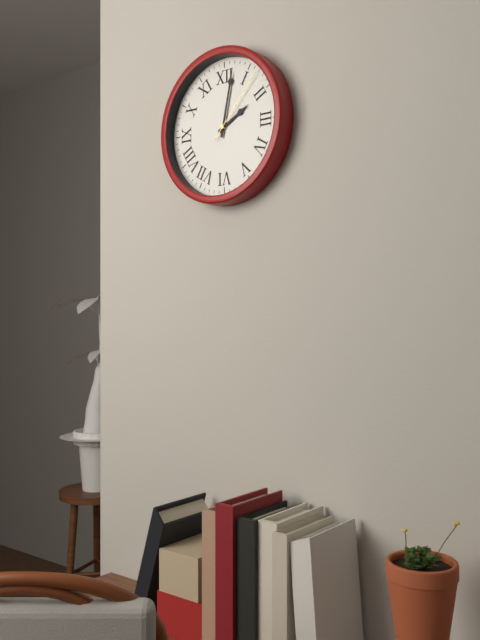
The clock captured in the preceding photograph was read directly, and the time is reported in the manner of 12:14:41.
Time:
2:02:07
